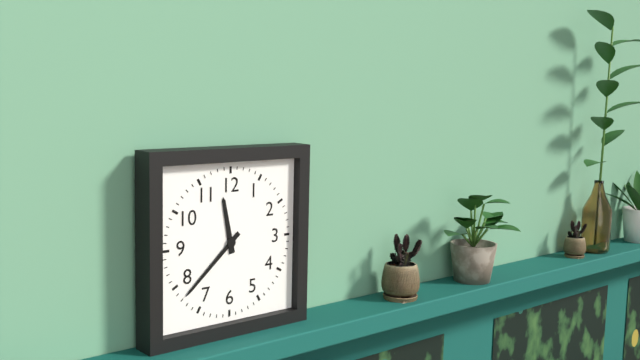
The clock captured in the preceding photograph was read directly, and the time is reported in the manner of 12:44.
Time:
11:38
